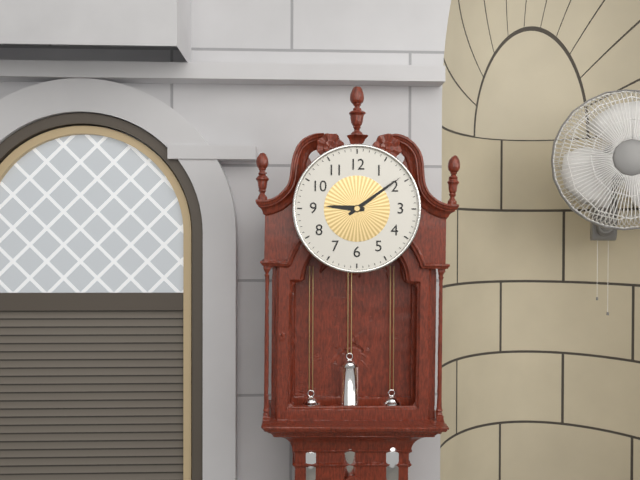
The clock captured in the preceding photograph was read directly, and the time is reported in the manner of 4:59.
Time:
9:09
